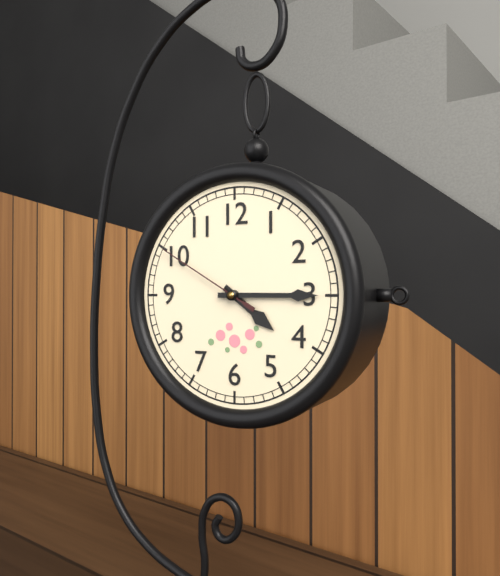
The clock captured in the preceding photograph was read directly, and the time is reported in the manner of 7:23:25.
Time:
4:15:50
